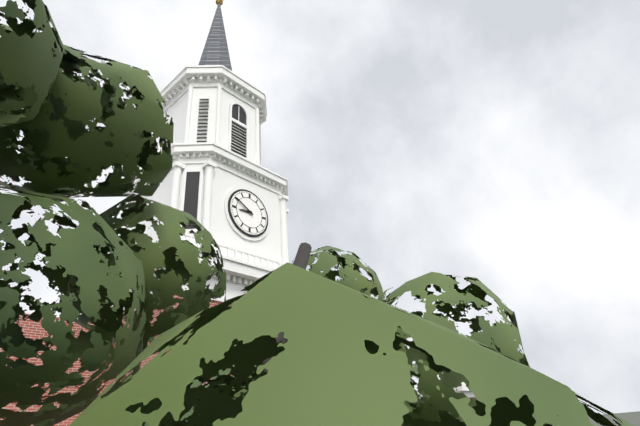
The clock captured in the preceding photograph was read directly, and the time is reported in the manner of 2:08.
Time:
8:50
